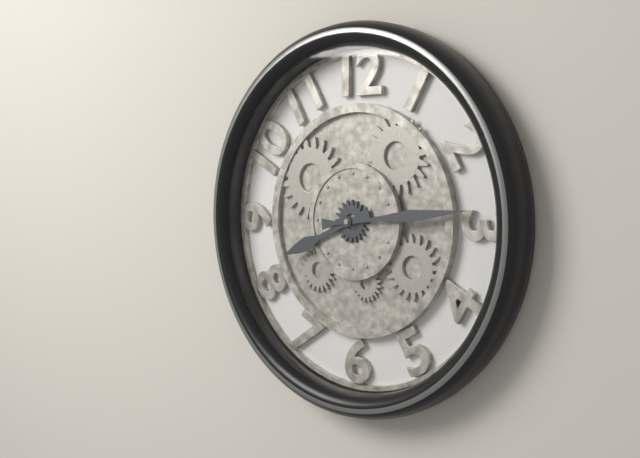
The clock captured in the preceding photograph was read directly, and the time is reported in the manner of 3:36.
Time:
8:14
